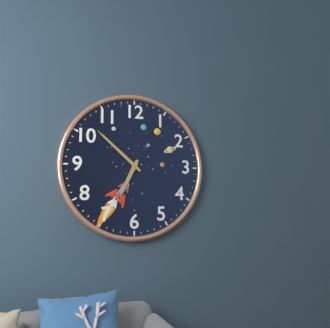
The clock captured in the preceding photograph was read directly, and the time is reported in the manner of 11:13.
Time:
6:52
